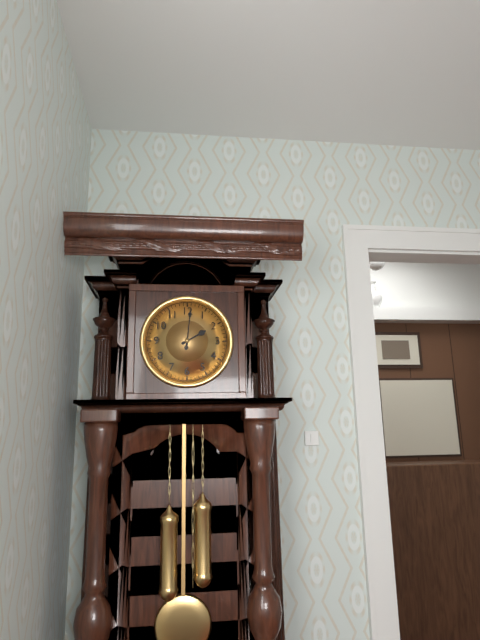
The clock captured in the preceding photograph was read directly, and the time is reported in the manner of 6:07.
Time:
2:01
